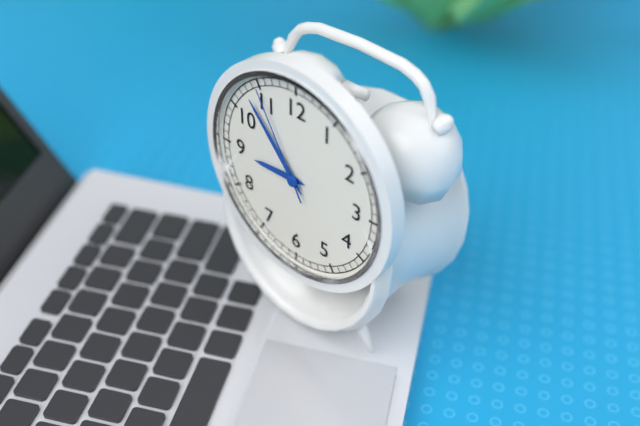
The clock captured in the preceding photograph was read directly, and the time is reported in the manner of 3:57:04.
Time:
8:53:55
